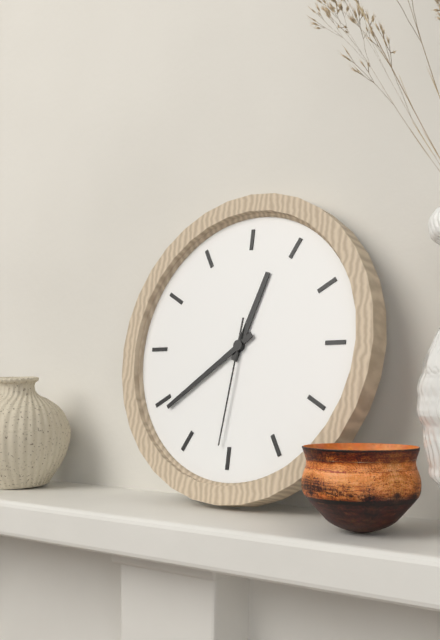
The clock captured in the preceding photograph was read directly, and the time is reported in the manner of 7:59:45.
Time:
12:39:31
